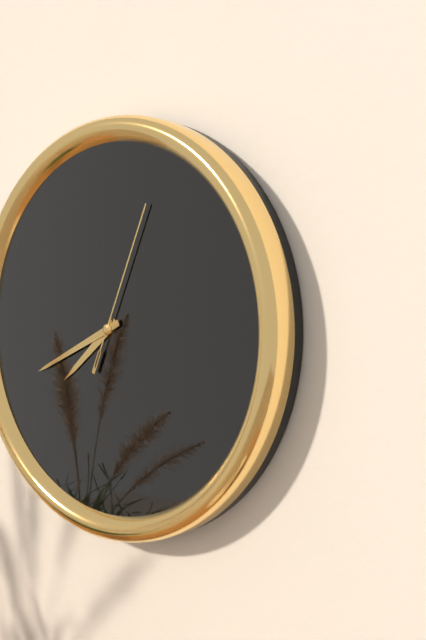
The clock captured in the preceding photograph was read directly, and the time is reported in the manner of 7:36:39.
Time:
7:41:04
